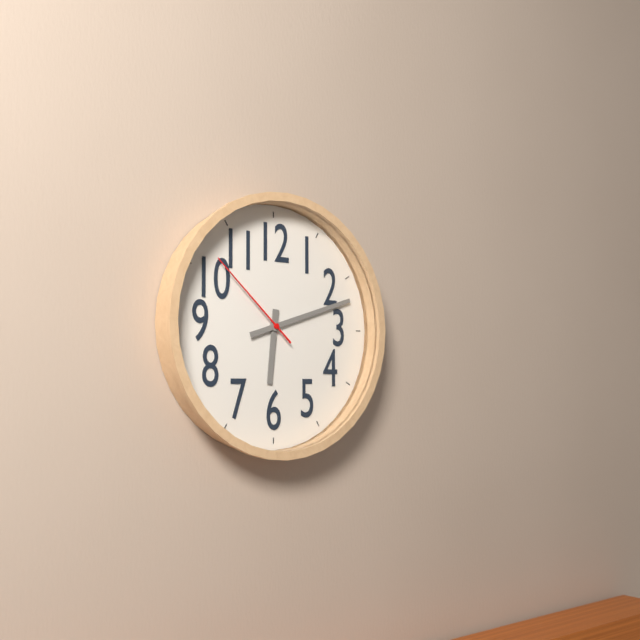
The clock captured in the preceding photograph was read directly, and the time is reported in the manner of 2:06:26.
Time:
6:12:52
